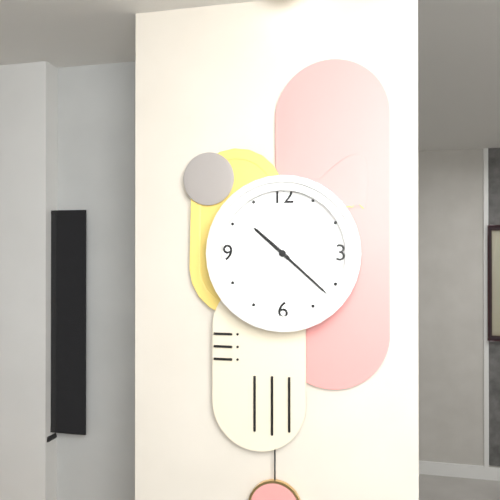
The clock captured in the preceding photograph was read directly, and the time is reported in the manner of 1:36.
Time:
10:22
